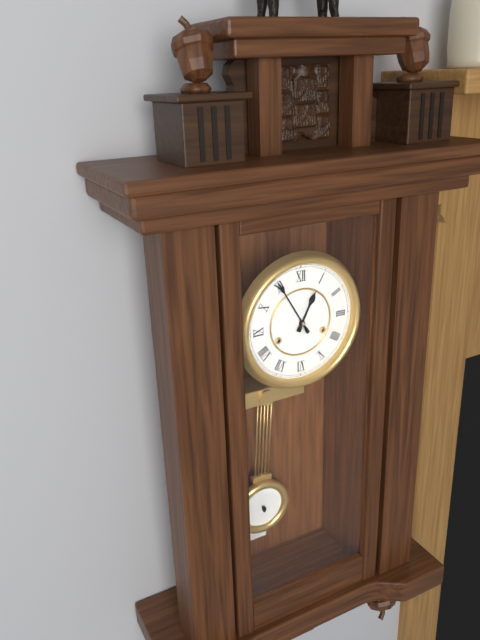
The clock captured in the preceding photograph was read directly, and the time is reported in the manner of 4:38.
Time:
12:55
